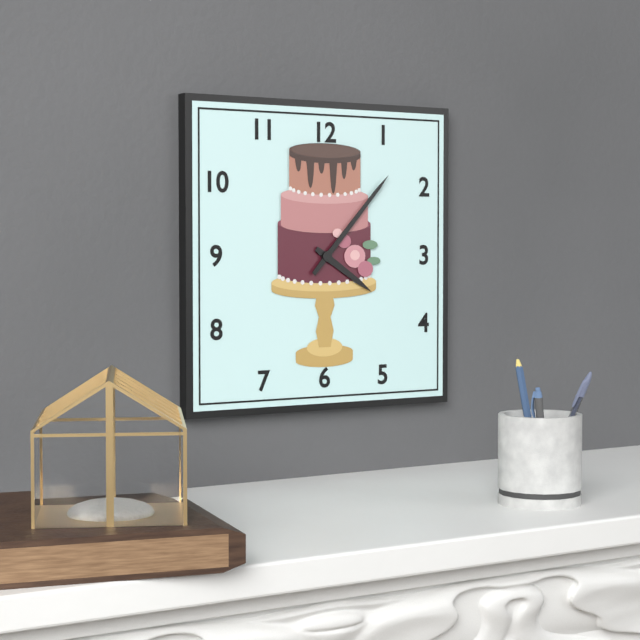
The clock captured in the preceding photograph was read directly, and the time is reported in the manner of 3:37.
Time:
4:07
